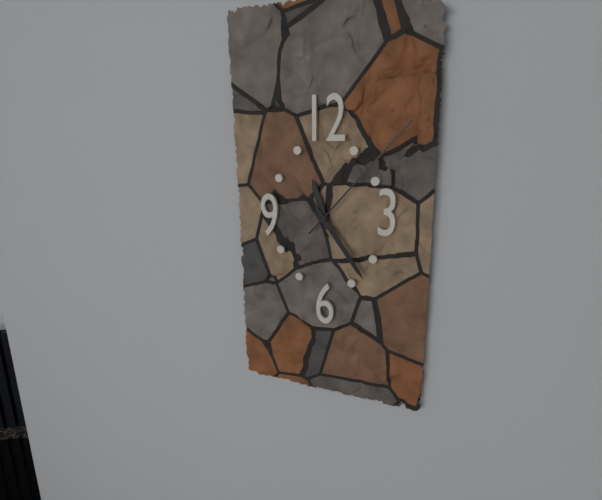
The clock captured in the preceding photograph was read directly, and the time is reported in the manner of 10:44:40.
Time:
11:24:07
